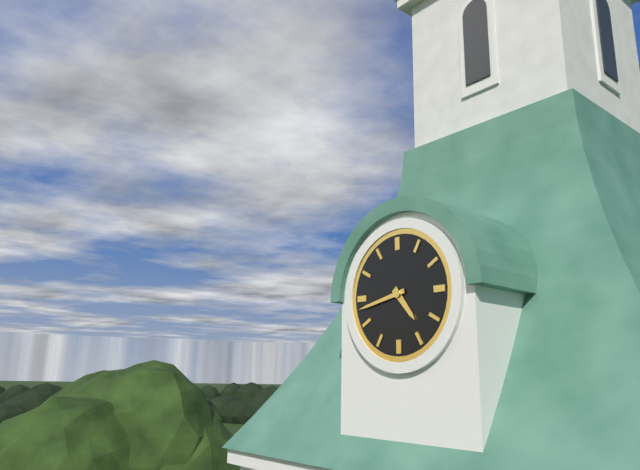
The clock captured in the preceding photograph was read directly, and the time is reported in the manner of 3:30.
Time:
4:43
